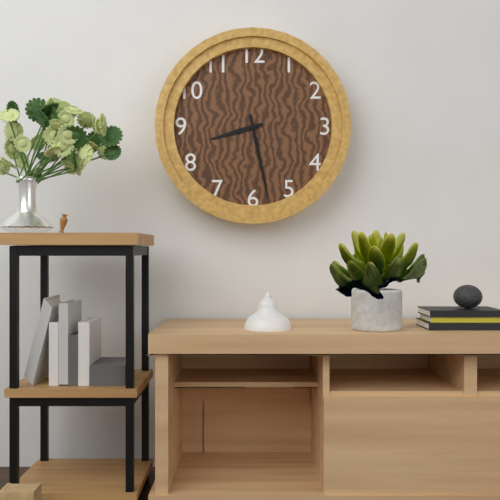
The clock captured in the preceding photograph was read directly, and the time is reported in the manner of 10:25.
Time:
8:28
